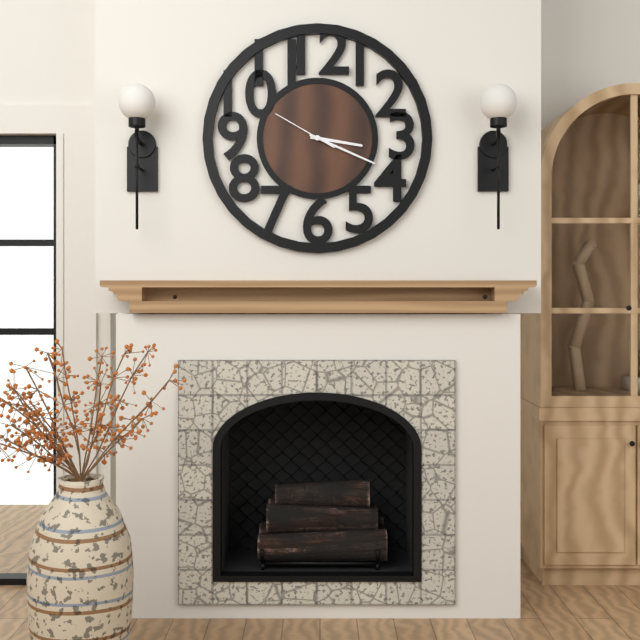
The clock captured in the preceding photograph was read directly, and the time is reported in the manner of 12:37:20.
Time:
3:19:50
